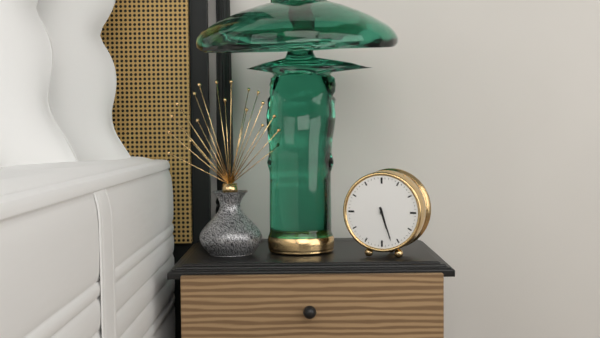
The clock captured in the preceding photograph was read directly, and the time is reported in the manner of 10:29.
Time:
5:27
